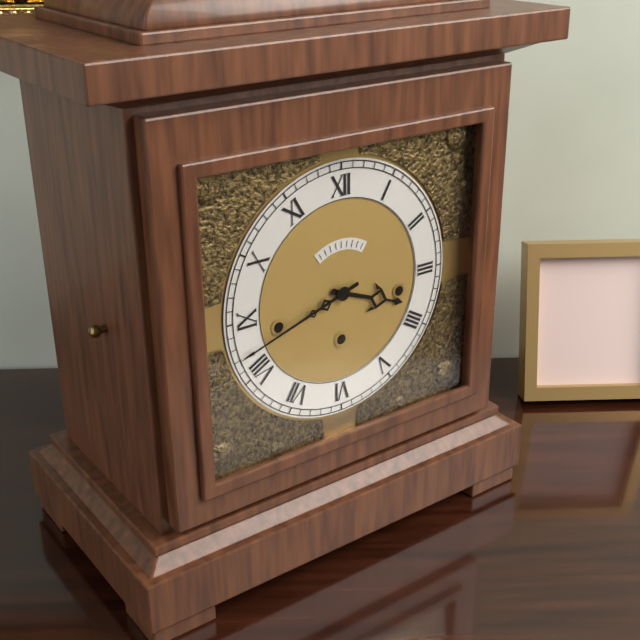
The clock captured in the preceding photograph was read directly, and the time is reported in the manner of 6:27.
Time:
3:42
